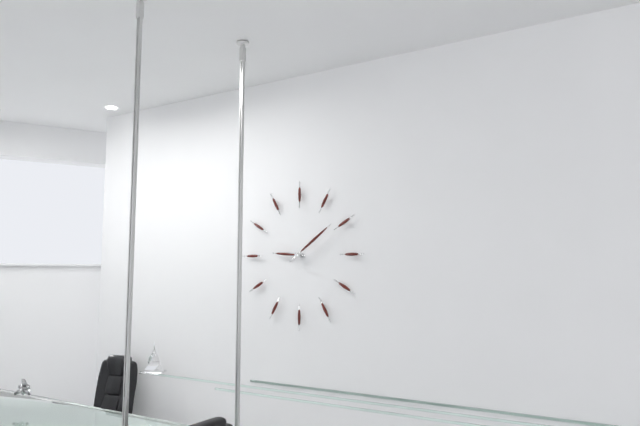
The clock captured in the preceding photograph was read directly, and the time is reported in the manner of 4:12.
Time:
9:09
